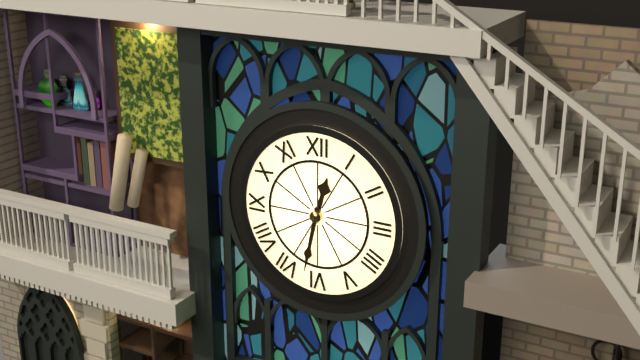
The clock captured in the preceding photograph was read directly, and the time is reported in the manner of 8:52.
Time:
12:32
